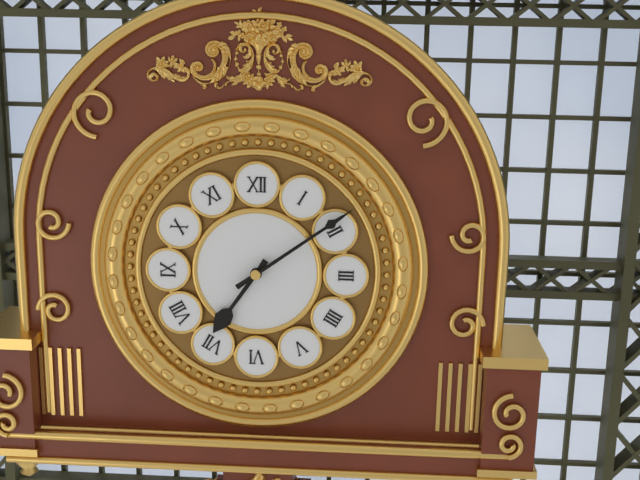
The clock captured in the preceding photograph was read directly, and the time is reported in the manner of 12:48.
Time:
7:09
